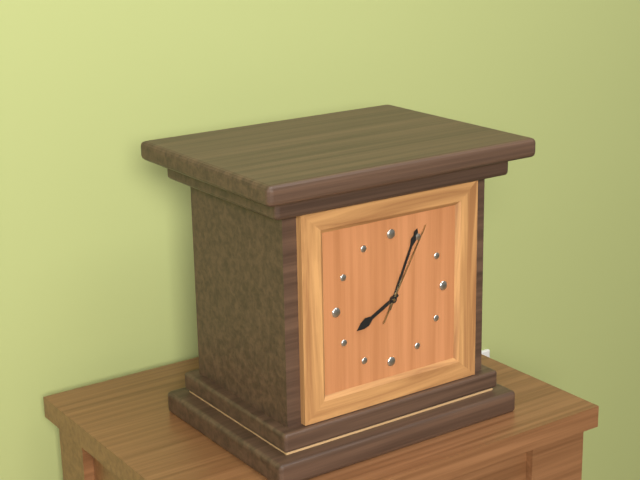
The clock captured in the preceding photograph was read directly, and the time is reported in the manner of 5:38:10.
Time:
8:04:05
